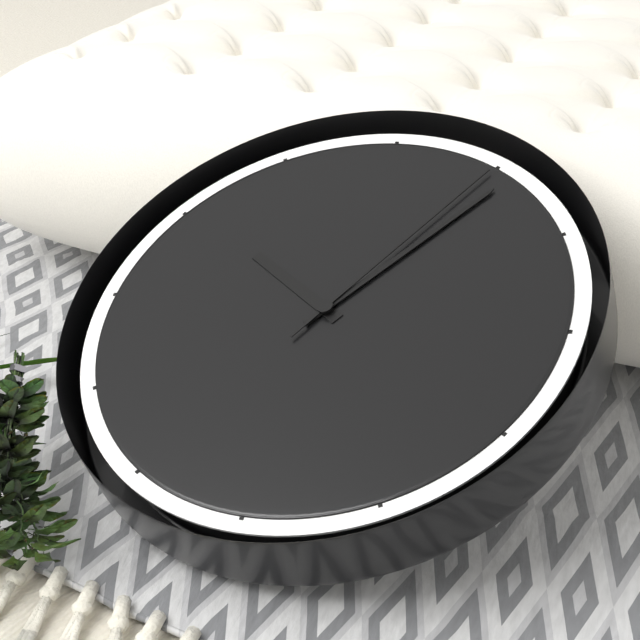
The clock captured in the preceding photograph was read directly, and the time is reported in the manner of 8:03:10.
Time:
10:06:05
